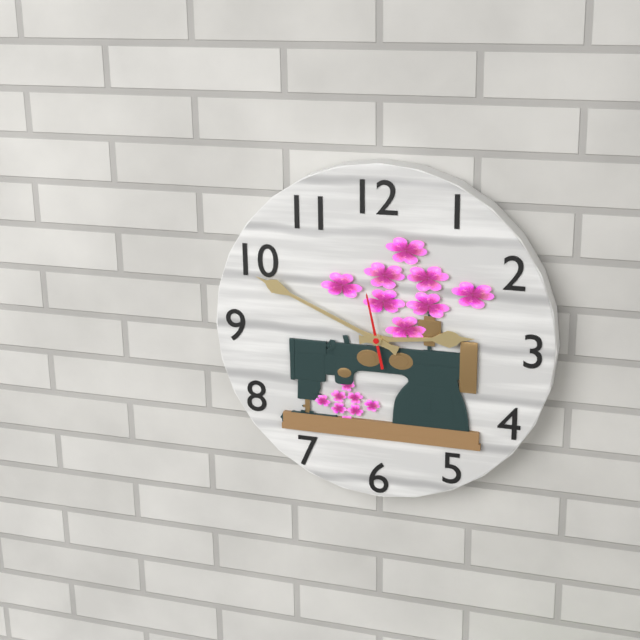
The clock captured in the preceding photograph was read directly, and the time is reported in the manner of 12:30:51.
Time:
2:49:58
